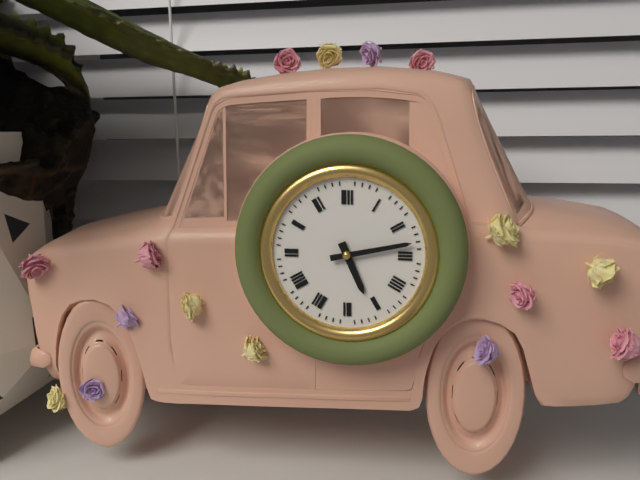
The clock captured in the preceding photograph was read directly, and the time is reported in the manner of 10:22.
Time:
5:13
